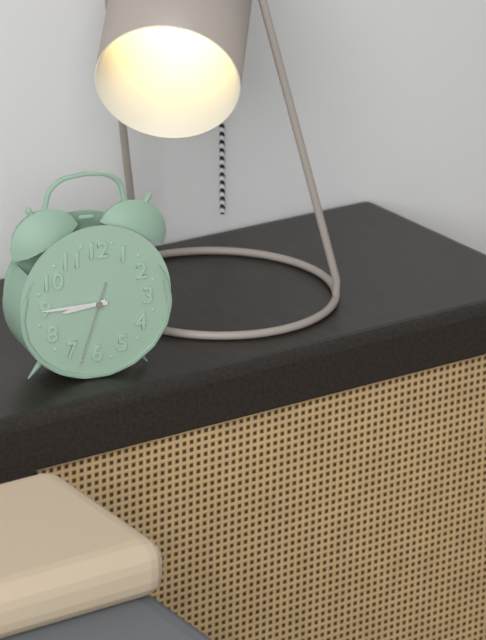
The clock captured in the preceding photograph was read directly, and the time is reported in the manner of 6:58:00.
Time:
8:45:33
